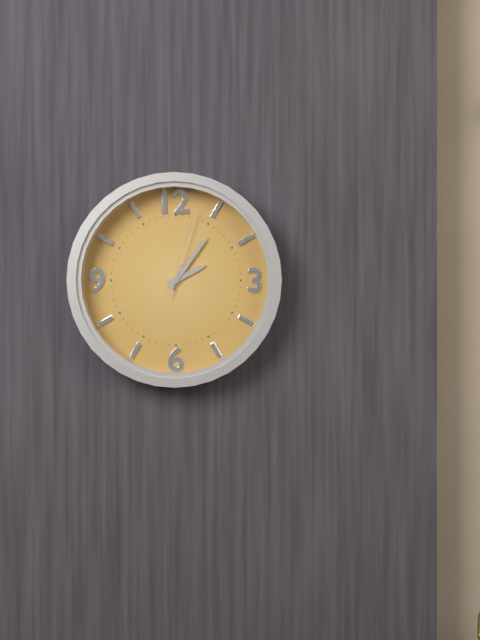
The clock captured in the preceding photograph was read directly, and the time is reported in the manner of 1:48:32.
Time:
2:06:03
